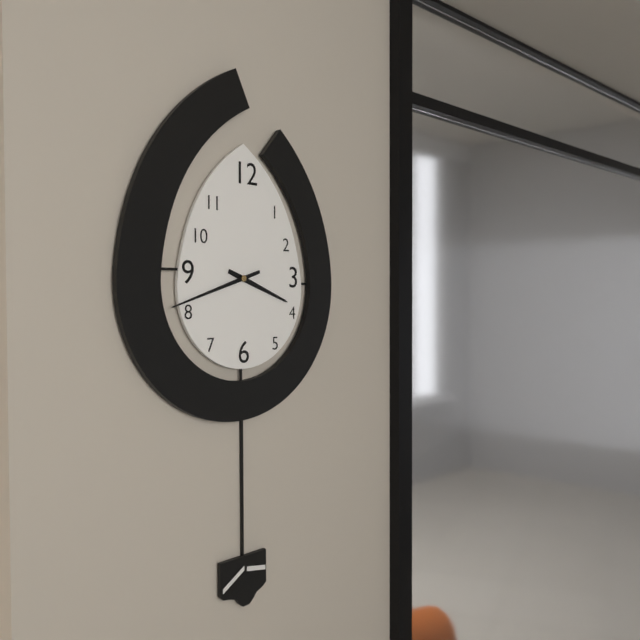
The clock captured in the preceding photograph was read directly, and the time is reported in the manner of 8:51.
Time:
3:42
